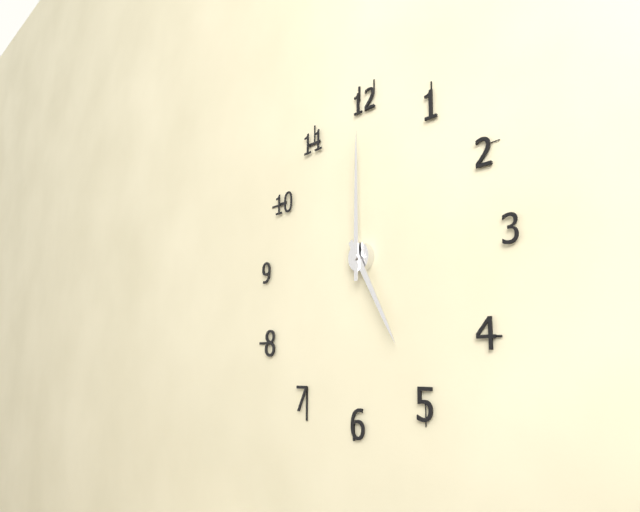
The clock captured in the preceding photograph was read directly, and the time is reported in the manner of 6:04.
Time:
5:00
